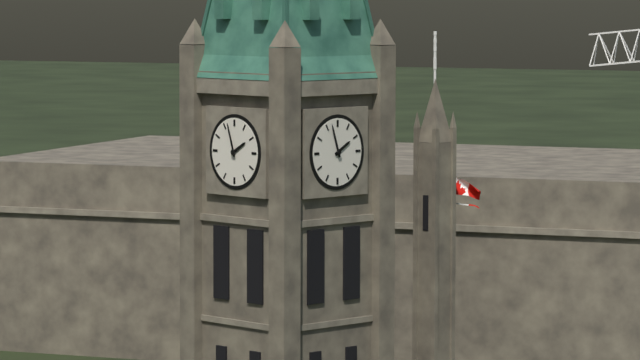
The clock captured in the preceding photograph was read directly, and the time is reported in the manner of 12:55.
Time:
1:57
